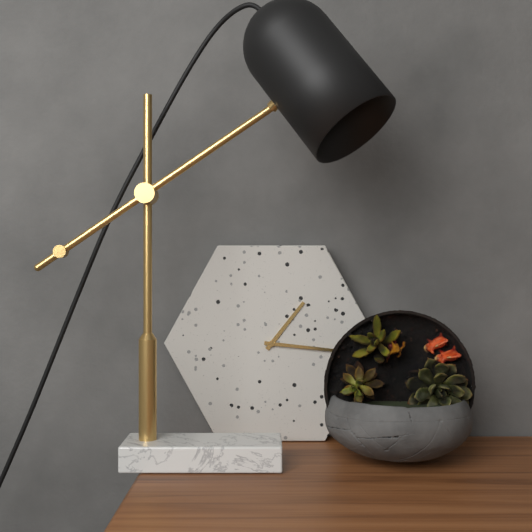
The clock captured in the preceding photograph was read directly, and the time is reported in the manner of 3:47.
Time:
1:16
